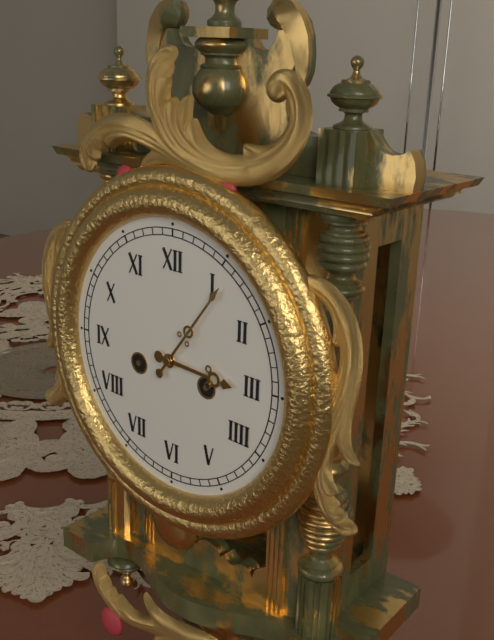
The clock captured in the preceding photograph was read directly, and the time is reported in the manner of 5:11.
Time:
3:06
